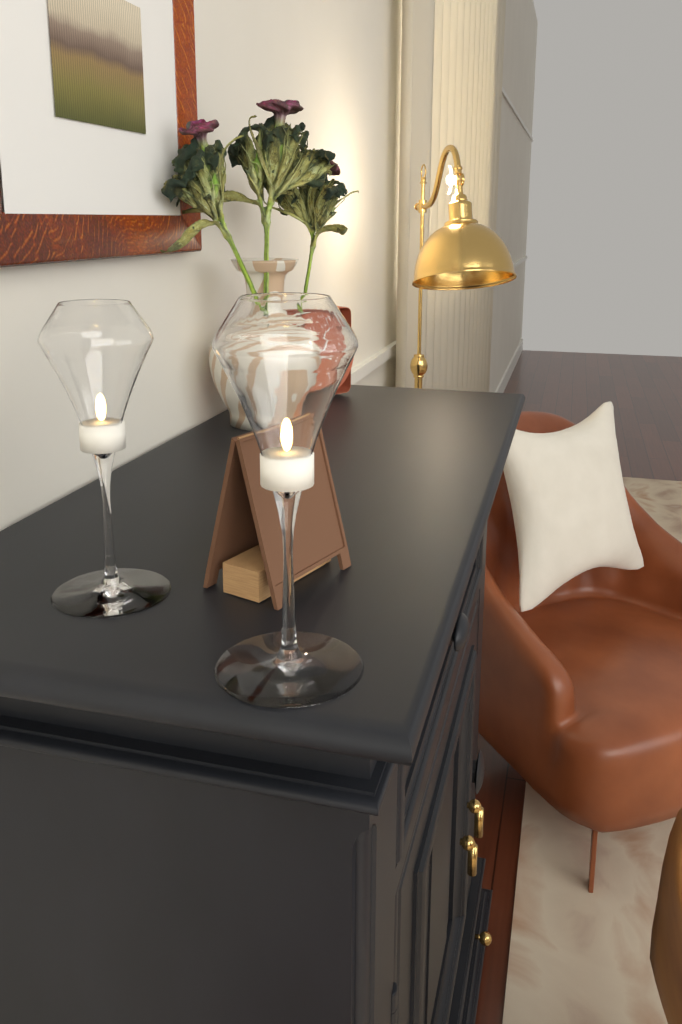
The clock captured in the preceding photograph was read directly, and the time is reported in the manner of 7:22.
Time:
4:03
